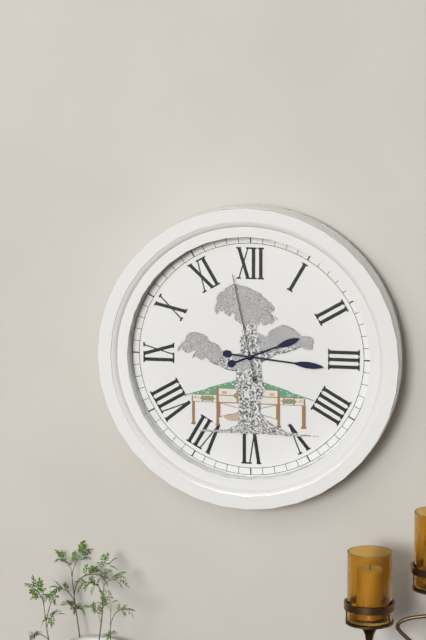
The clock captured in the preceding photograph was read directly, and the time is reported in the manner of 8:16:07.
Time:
2:16:58
